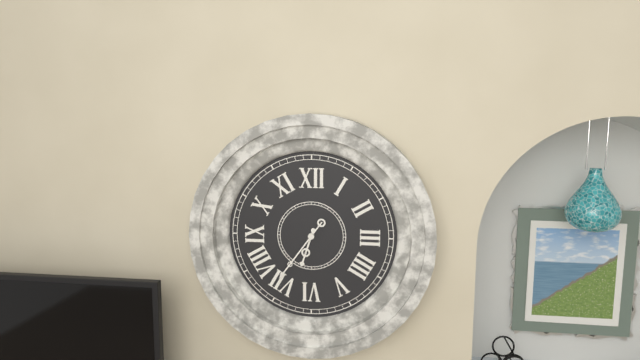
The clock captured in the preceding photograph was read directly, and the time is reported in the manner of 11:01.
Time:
6:36
